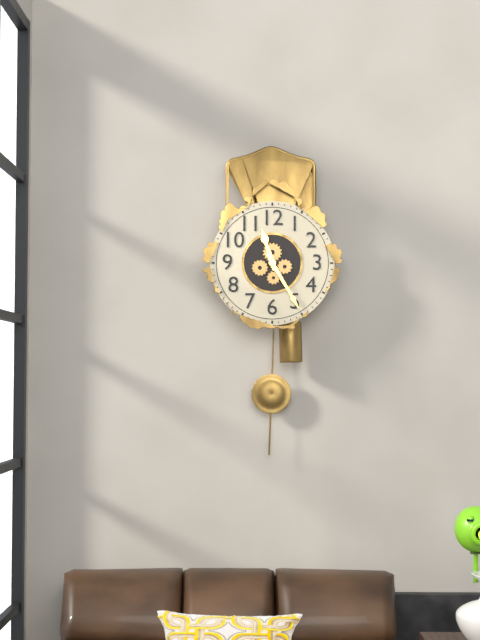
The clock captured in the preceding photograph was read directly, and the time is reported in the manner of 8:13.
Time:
11:25
